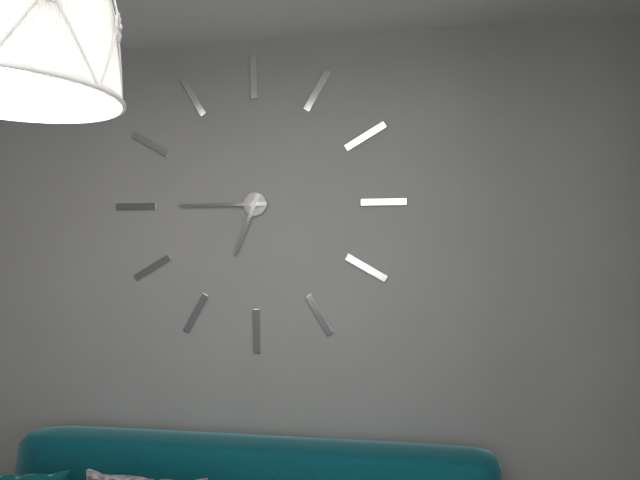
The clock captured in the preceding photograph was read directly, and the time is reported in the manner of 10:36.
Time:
6:45
